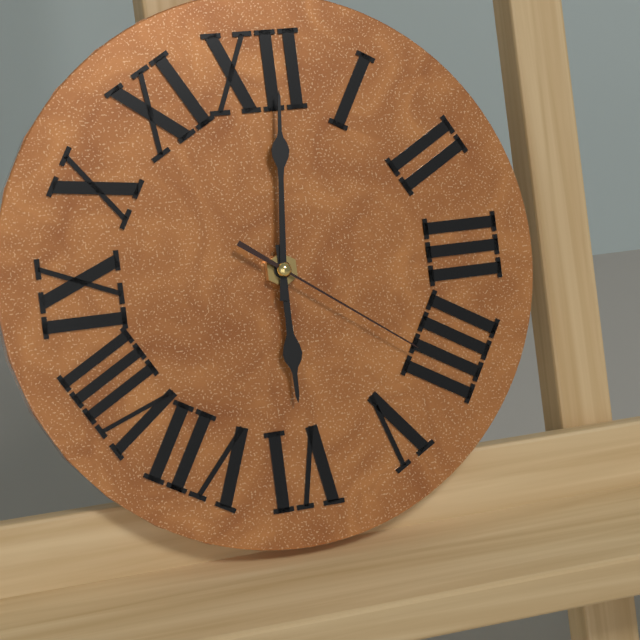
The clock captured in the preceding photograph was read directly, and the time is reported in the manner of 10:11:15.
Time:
6:01:21
